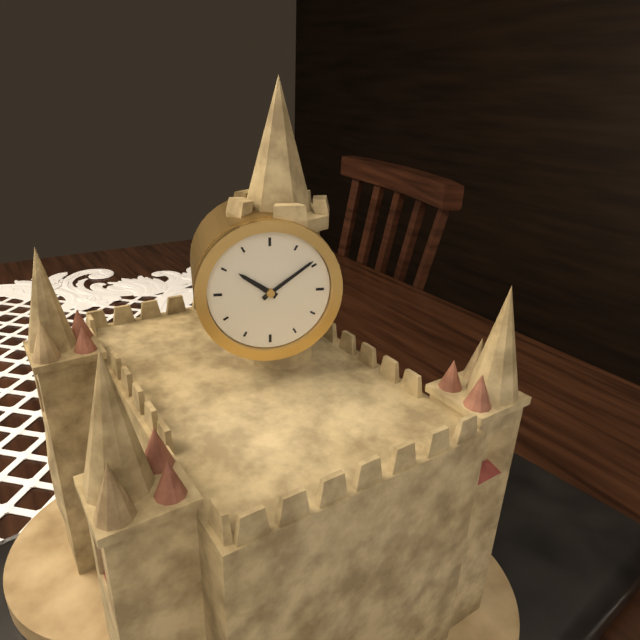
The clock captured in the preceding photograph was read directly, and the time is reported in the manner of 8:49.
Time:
10:09
